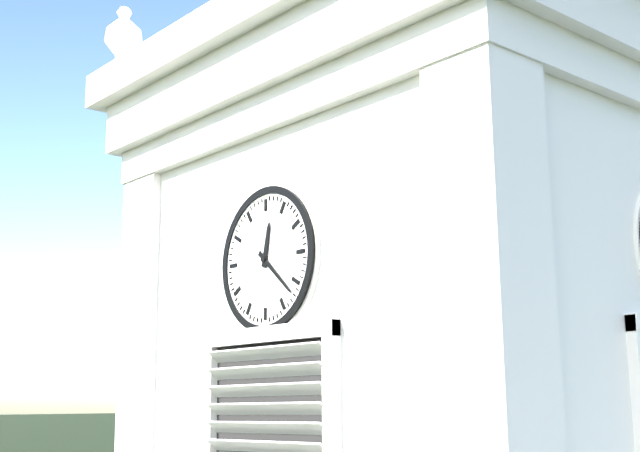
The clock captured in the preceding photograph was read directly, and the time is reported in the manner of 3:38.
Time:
12:22
